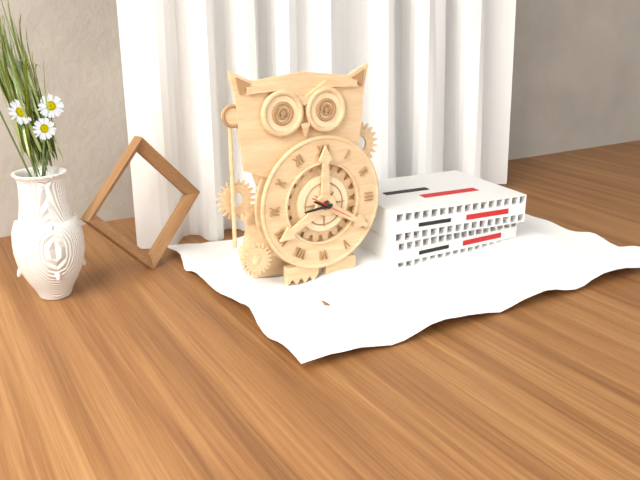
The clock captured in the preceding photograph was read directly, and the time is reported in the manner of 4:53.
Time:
9:44
